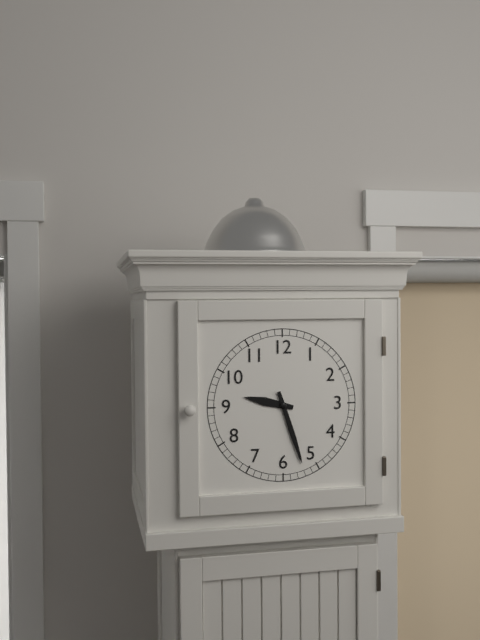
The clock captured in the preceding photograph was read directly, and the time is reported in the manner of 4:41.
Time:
9:27
